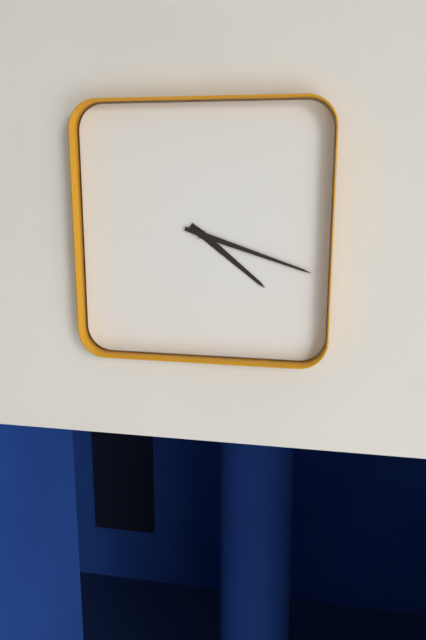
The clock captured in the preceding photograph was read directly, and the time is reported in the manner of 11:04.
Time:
4:18
